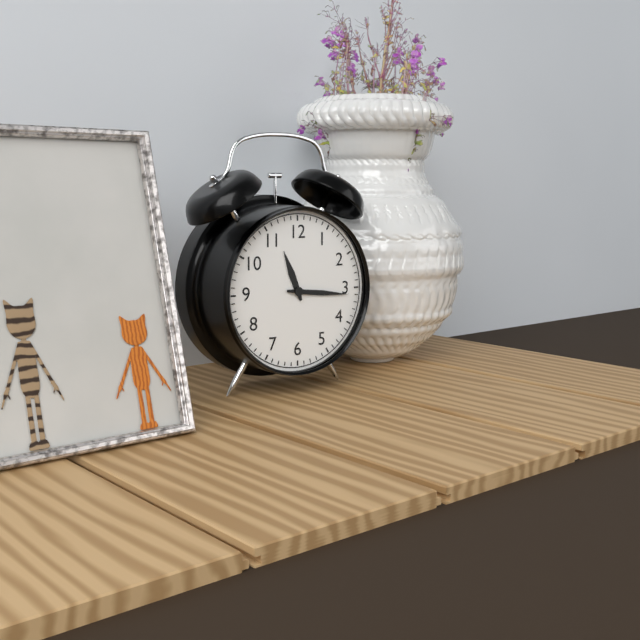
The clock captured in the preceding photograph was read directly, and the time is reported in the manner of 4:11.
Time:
11:16
